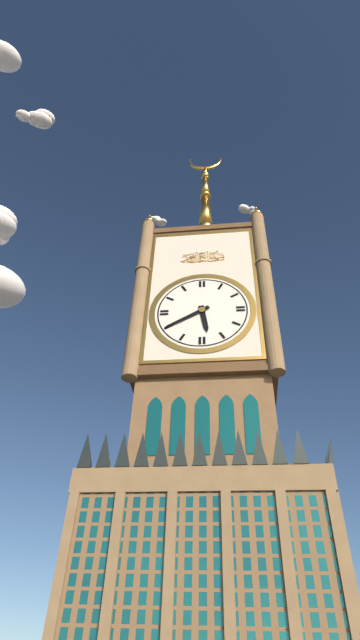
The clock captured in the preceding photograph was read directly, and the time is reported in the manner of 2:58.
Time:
5:40
